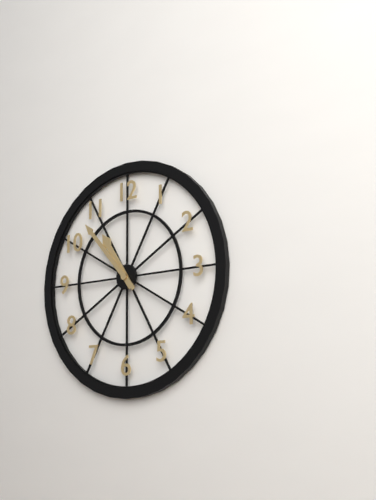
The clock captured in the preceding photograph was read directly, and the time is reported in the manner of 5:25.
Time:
10:53
